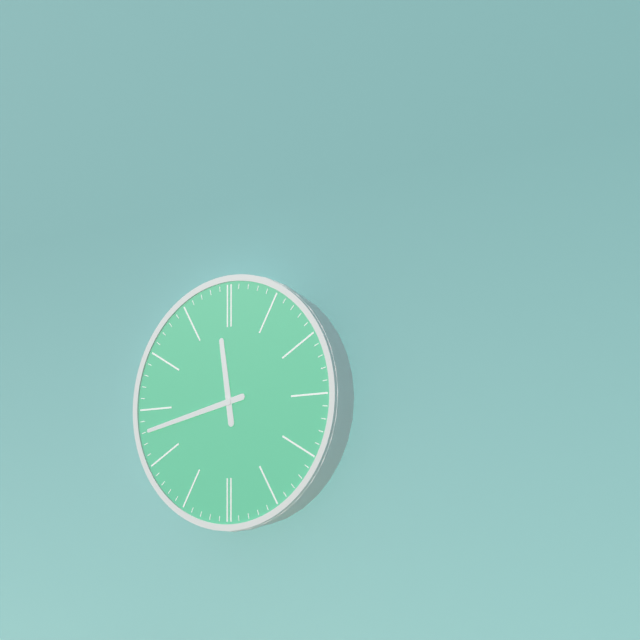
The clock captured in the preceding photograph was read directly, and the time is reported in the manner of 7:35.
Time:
11:43
